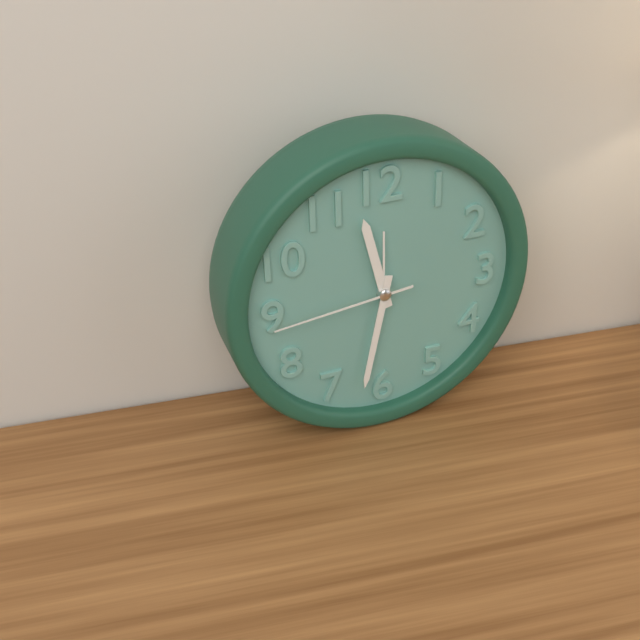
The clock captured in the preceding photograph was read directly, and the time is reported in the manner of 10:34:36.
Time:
11:32:44
